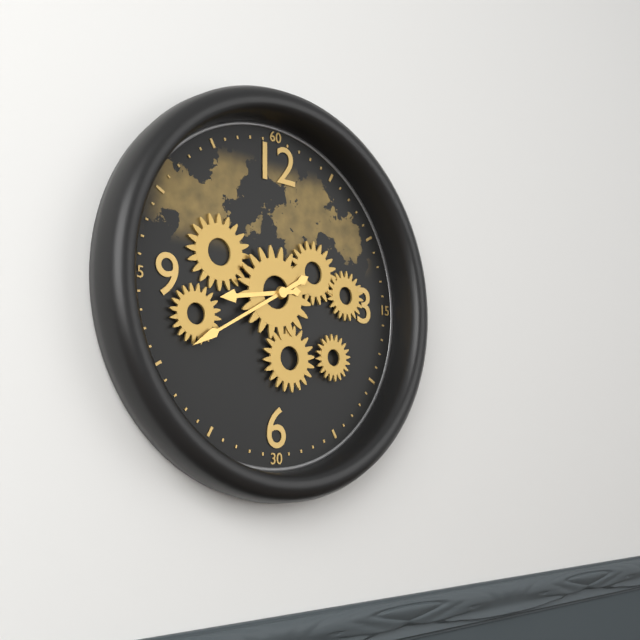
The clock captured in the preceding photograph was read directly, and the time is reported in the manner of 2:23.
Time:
8:40
